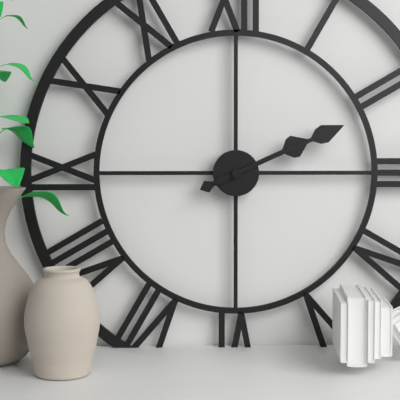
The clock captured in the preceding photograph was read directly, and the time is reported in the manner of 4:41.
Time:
2:11
